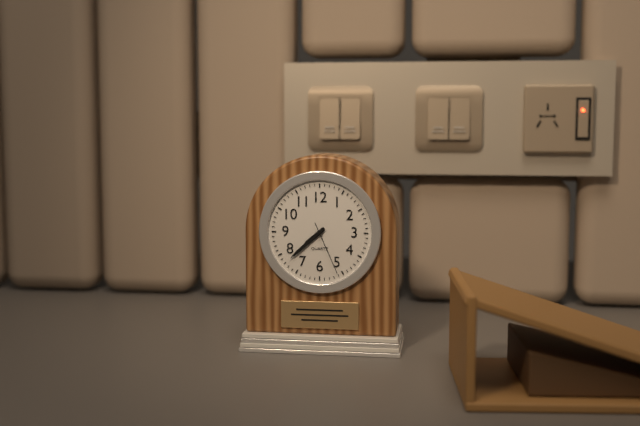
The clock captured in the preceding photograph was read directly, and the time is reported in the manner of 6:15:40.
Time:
7:38:26
